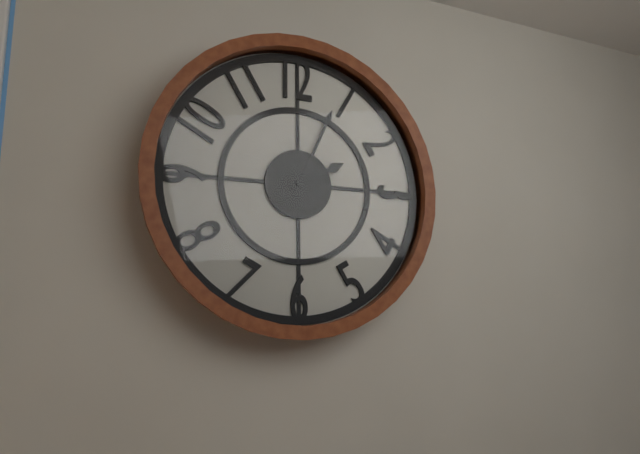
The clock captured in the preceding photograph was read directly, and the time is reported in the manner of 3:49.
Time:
2:04
